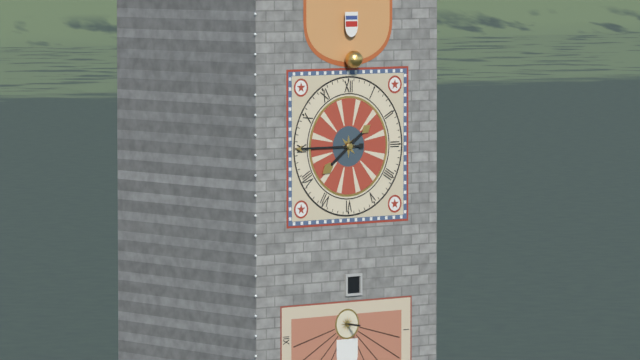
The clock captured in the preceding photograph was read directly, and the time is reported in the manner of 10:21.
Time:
7:45
